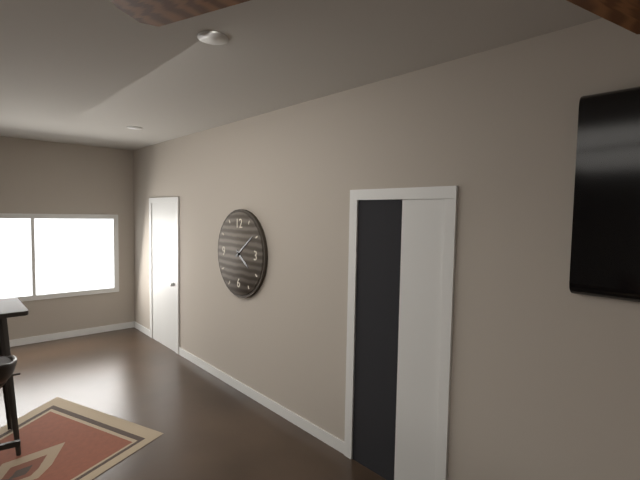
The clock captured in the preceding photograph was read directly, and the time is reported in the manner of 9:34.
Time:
4:09
